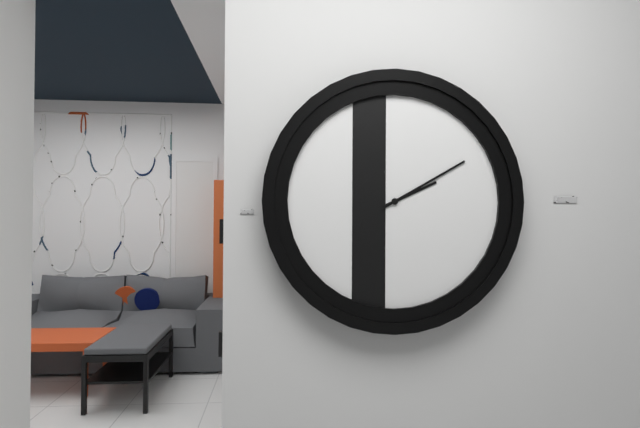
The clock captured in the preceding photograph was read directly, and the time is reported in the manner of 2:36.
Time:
2:10
